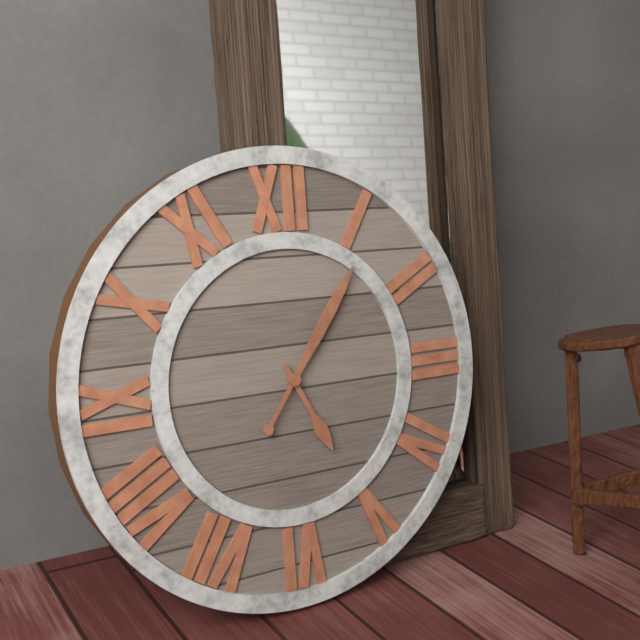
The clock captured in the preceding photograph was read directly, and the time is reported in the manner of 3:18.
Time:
5:06
